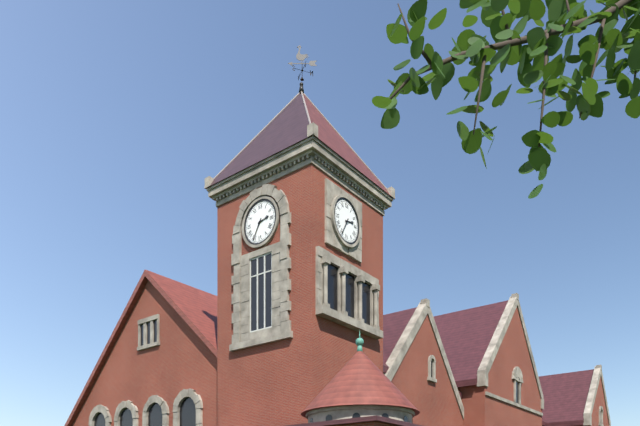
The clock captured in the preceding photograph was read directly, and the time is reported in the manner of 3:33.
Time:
2:35
